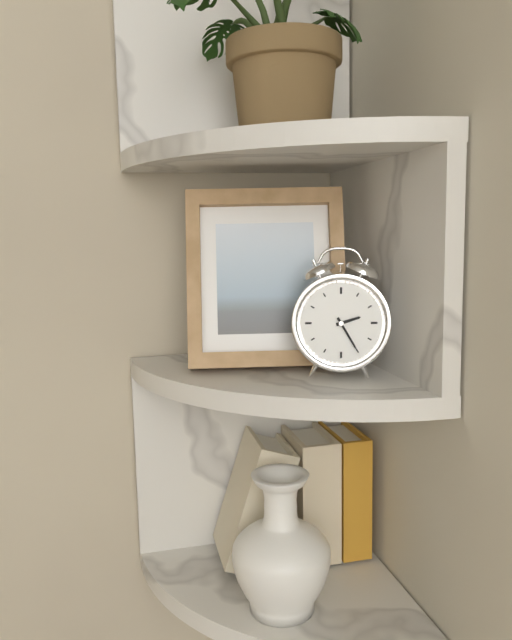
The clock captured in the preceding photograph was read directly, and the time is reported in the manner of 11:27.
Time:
2:25
